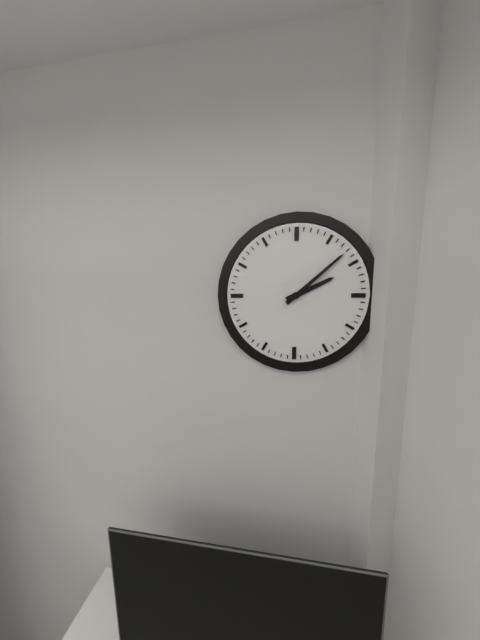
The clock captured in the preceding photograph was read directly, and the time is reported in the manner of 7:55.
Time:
2:08
